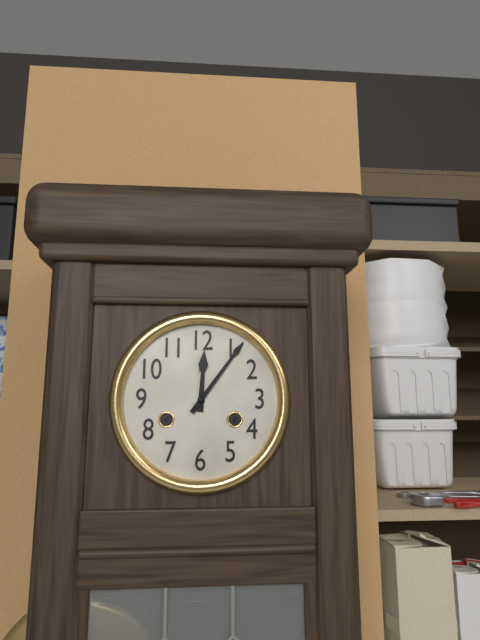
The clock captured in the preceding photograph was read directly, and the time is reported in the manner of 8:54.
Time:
12:06
